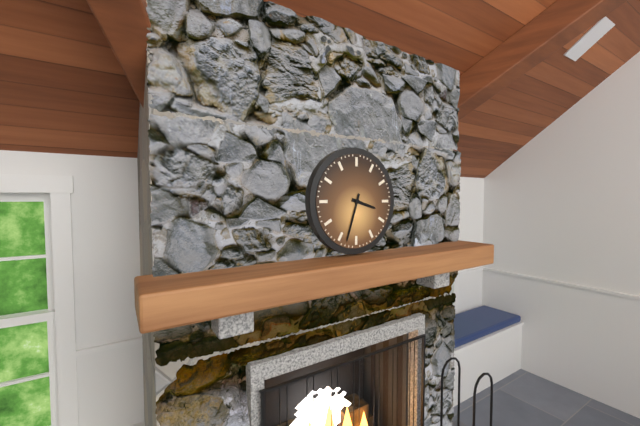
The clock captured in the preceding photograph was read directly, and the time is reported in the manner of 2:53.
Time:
3:33
